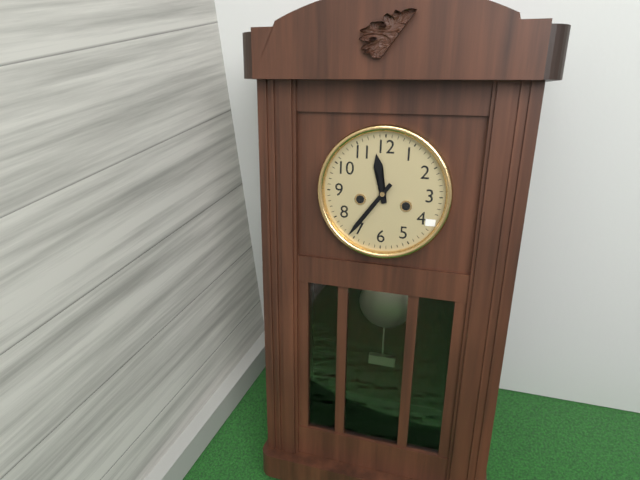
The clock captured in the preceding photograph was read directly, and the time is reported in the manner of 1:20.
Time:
11:36
